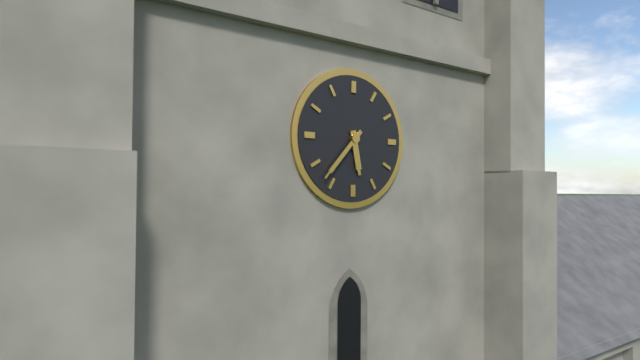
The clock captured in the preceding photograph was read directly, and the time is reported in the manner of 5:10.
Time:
5:37
